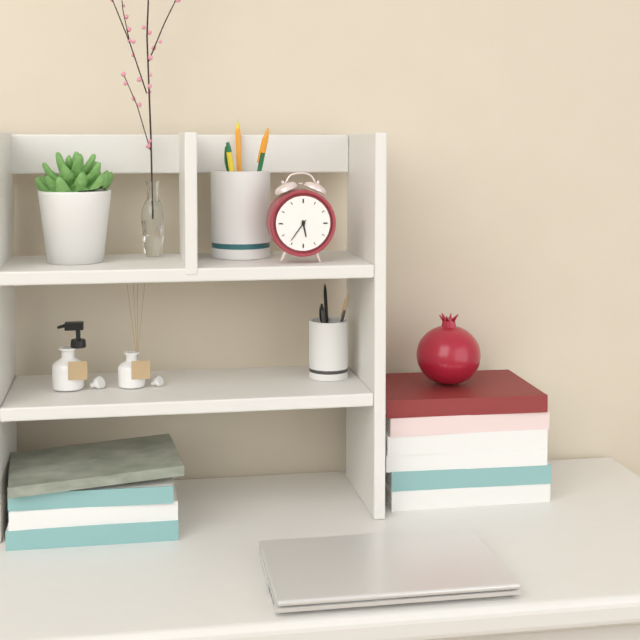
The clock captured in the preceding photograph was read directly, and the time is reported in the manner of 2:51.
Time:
5:36
